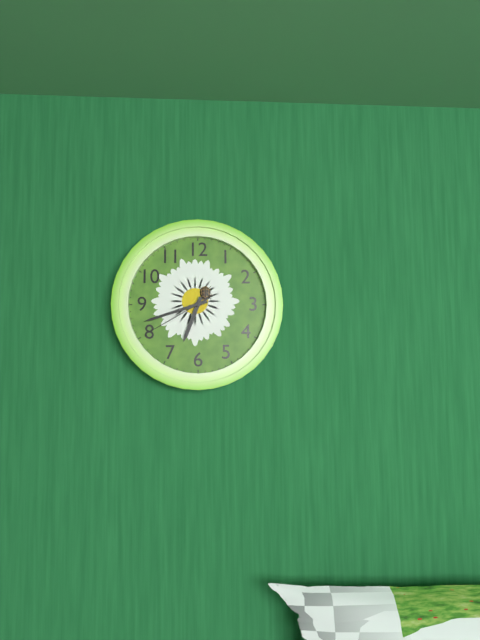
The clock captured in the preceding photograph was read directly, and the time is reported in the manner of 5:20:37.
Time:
6:42:40
